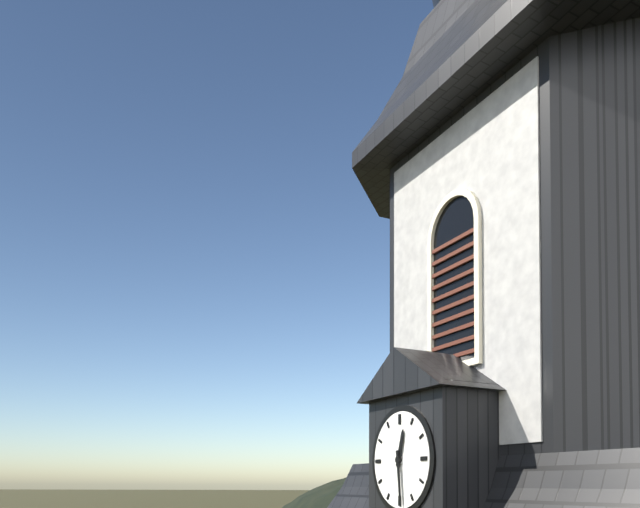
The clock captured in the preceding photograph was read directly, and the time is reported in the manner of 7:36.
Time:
12:29
